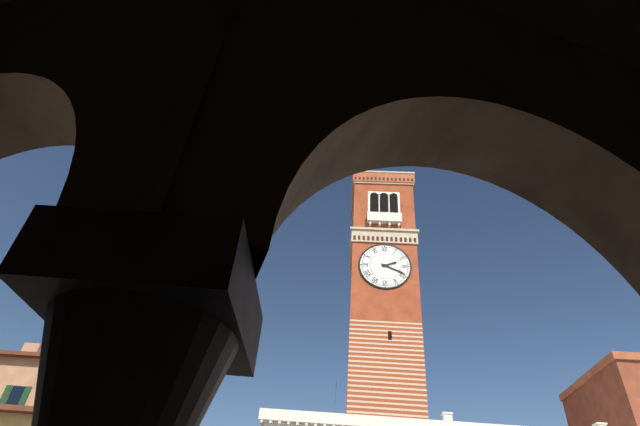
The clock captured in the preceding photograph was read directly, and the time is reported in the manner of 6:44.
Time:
2:19
